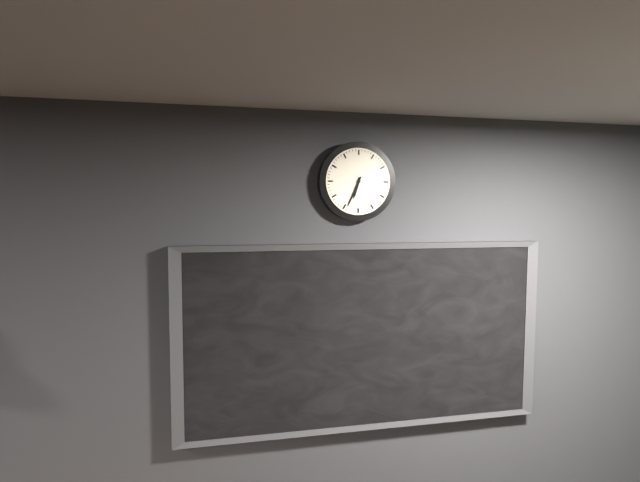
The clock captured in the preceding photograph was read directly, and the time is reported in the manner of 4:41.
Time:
6:34
